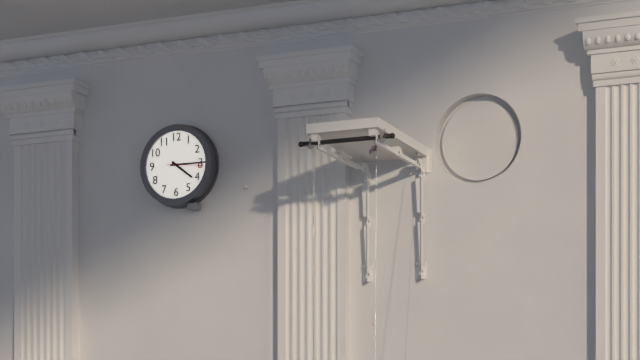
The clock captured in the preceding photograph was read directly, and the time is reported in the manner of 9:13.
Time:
4:15
